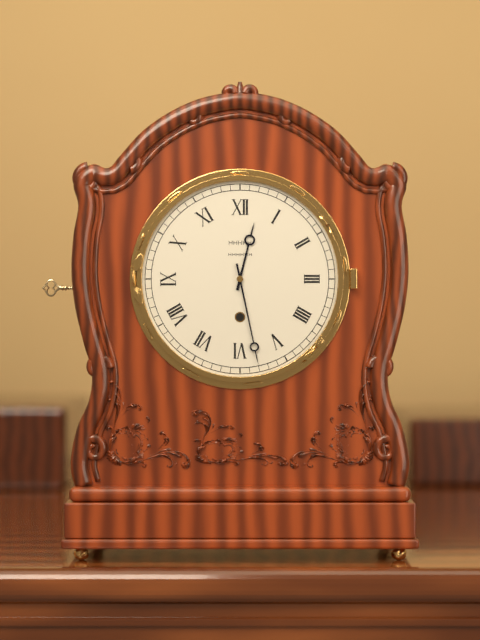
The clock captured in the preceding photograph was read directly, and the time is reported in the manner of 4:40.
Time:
12:28
